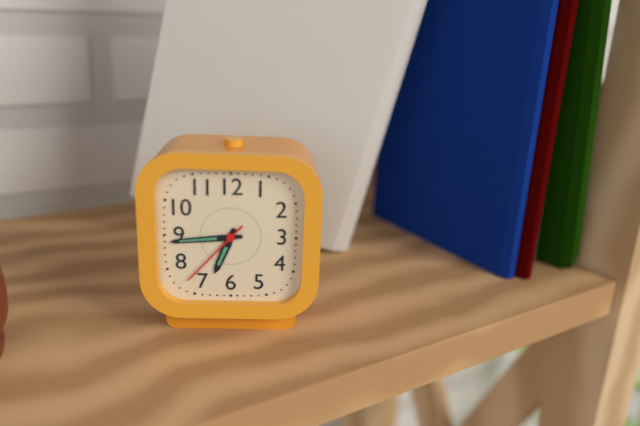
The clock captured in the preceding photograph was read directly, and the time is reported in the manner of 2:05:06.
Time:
6:44:37
